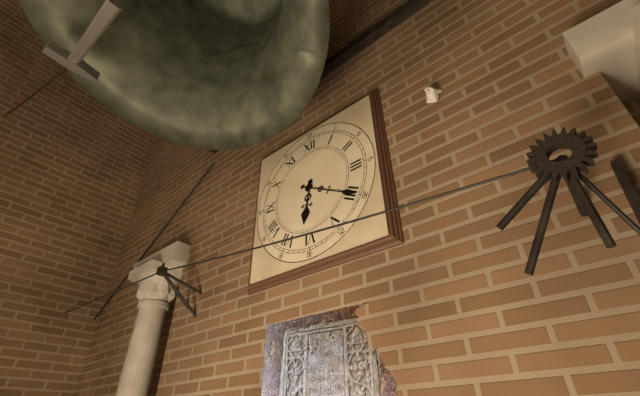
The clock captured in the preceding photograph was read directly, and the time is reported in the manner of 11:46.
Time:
6:20
